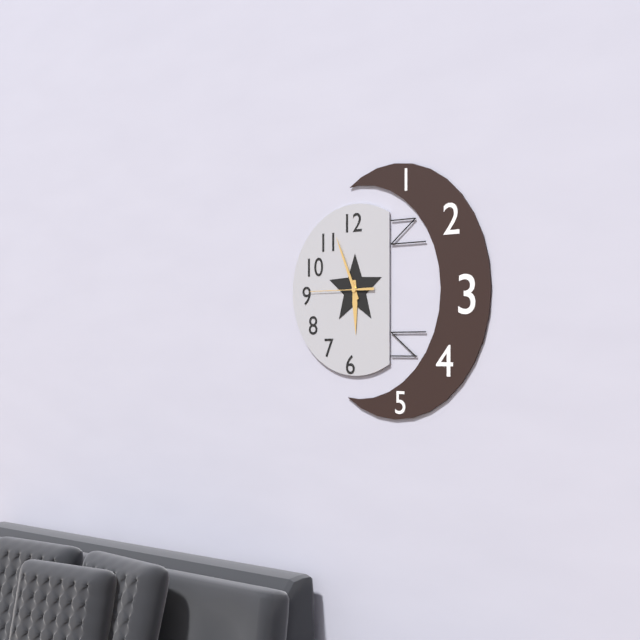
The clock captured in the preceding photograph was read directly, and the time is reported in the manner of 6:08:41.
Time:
5:56:45
